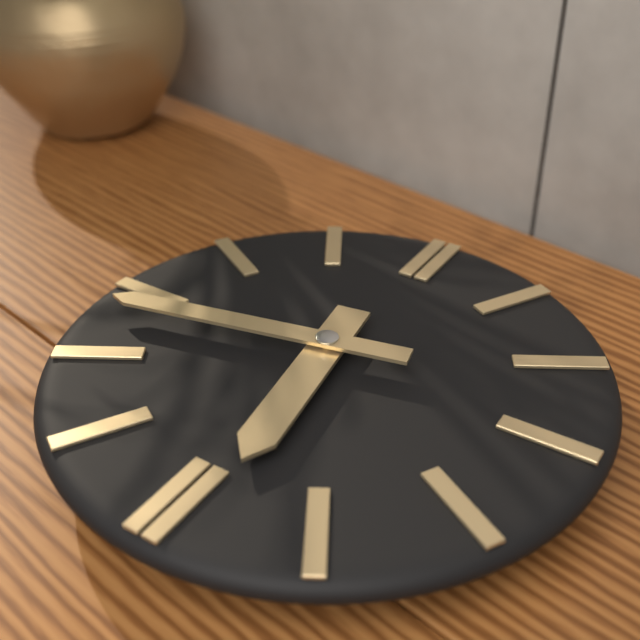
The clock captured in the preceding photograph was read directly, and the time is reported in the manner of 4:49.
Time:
5:43
